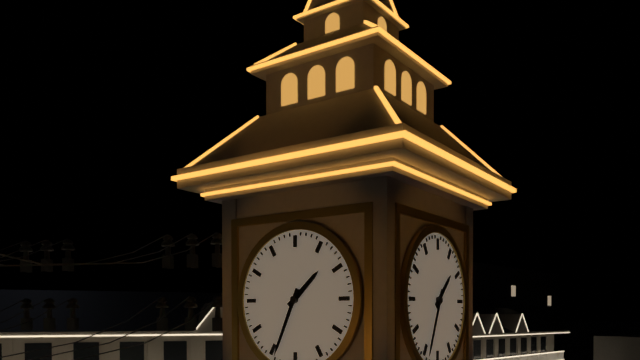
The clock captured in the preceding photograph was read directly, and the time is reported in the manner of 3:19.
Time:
1:34
